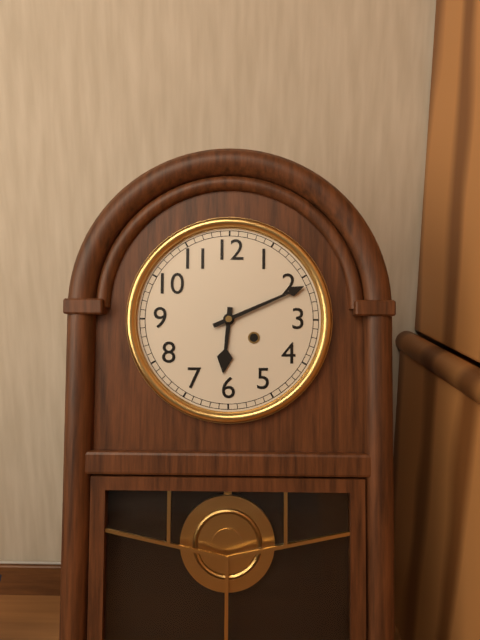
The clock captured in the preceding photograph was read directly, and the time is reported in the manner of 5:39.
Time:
6:11
